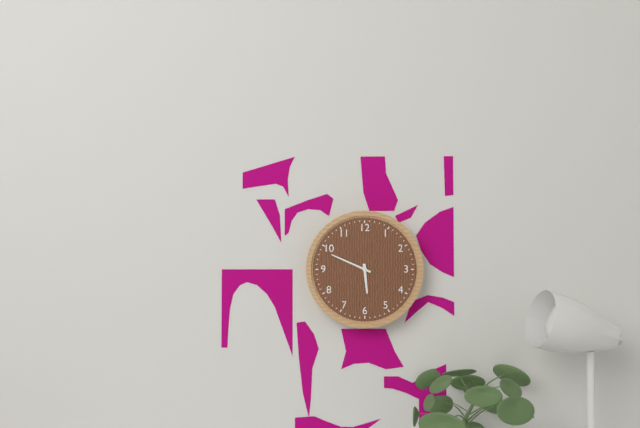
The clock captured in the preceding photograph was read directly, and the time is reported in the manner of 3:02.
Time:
5:49
